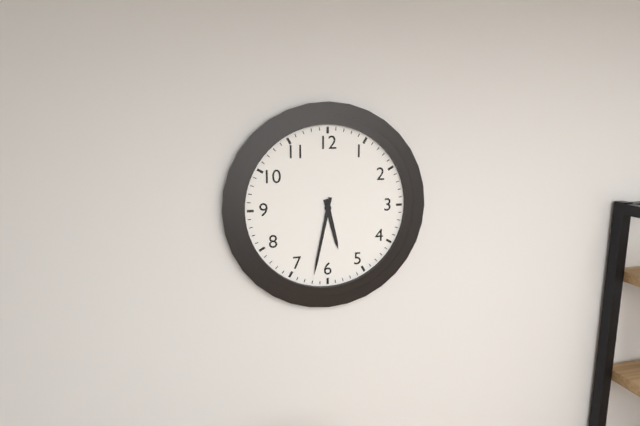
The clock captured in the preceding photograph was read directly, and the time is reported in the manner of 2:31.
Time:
5:32
